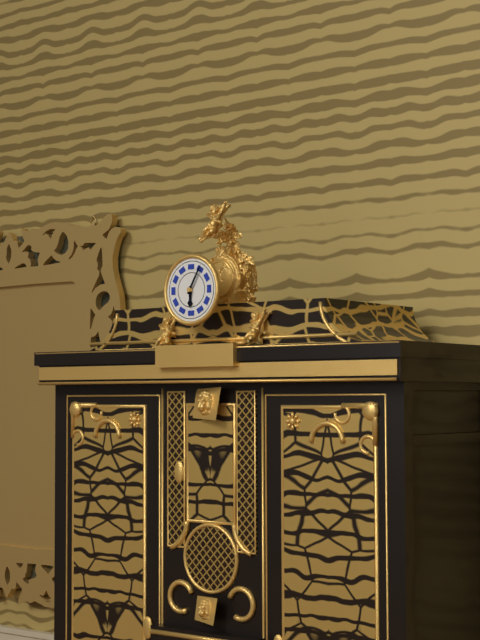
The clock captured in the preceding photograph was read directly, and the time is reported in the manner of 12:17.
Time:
6:05
